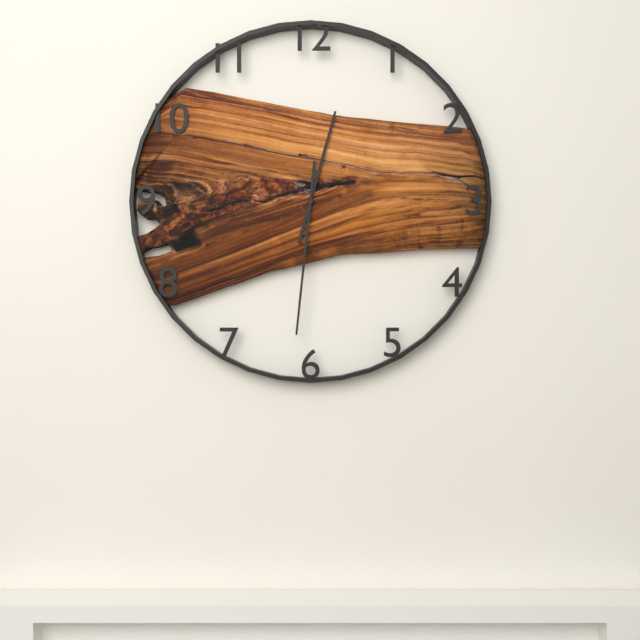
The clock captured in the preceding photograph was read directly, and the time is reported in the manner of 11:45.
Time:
12:31
